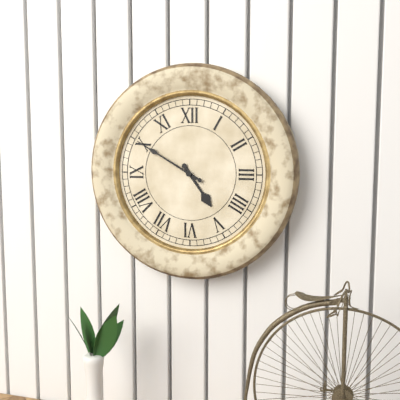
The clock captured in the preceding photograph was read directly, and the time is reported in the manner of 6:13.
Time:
4:50
